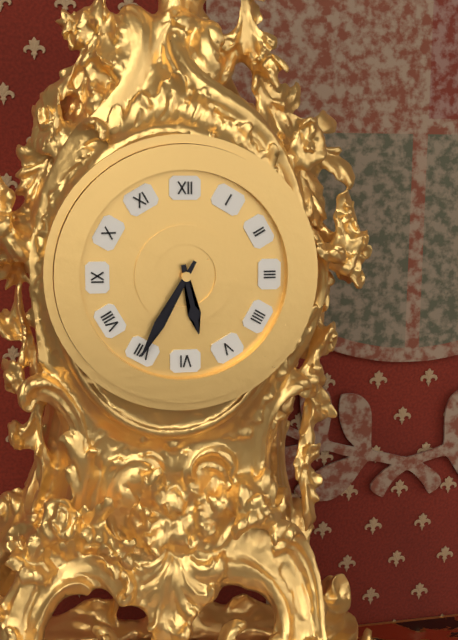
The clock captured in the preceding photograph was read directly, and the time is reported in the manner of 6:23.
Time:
5:35
